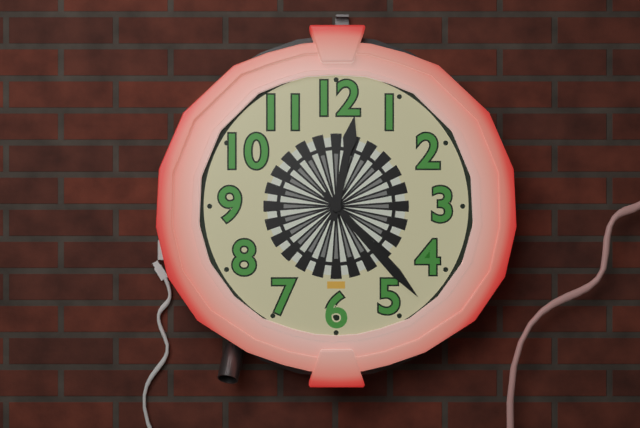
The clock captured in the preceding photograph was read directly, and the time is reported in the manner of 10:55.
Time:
12:23
